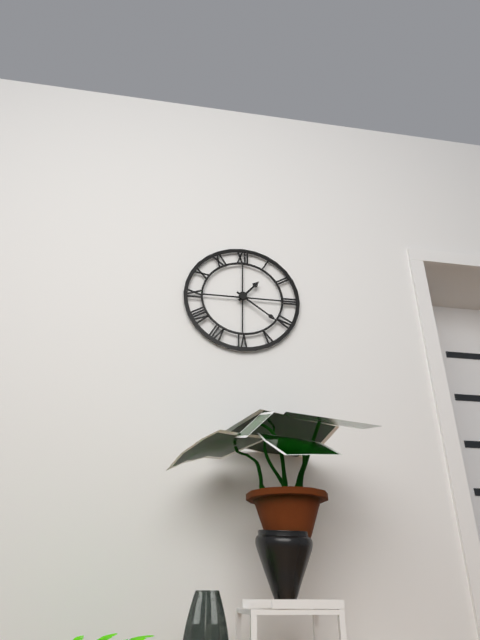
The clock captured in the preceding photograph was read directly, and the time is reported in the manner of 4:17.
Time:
1:21
